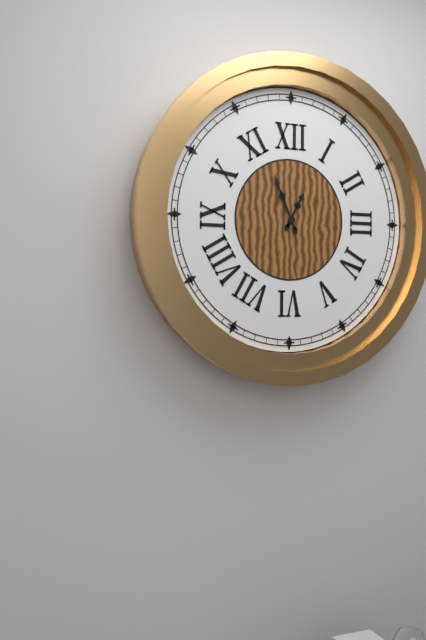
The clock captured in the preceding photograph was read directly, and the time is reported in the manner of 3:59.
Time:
12:56
